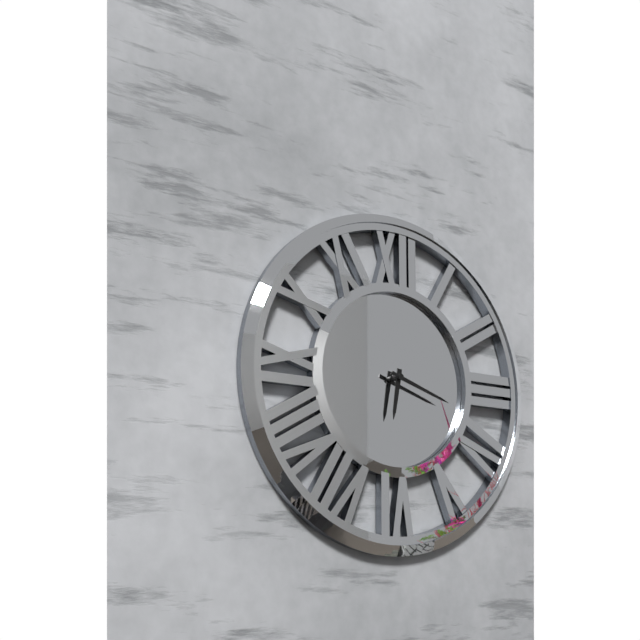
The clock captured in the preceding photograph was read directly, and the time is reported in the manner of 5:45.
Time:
6:18
